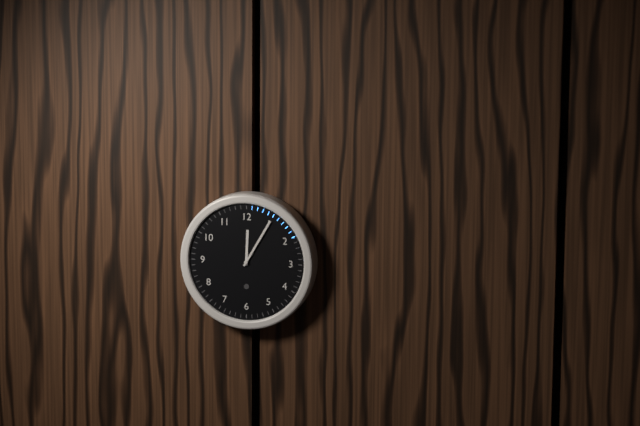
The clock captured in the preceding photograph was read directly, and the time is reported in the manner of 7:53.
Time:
12:05
